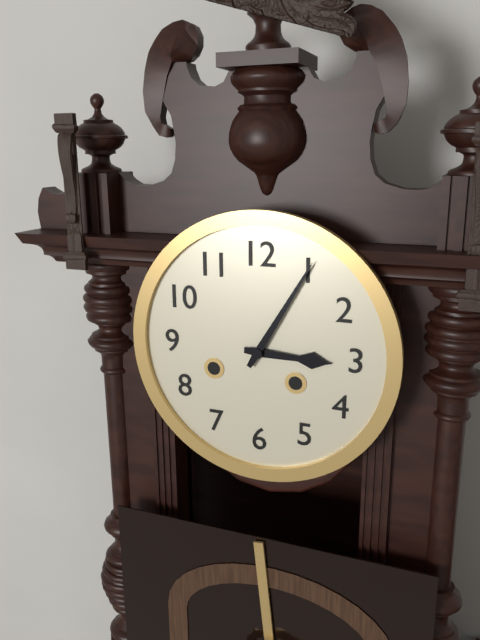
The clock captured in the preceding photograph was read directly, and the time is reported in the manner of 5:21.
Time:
3:05
